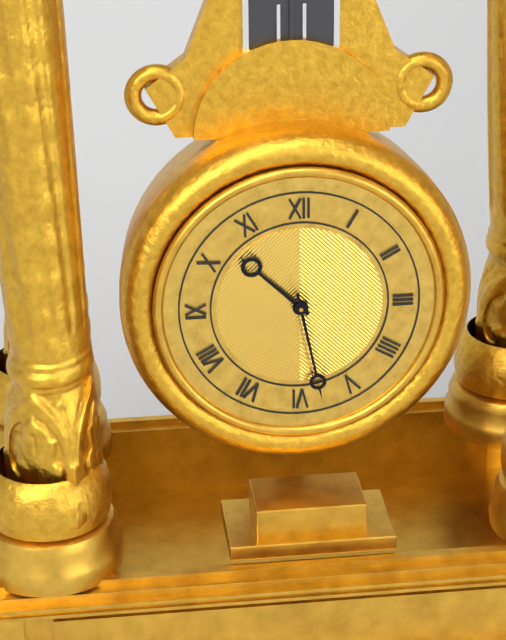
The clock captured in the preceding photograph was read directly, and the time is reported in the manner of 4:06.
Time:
10:28
